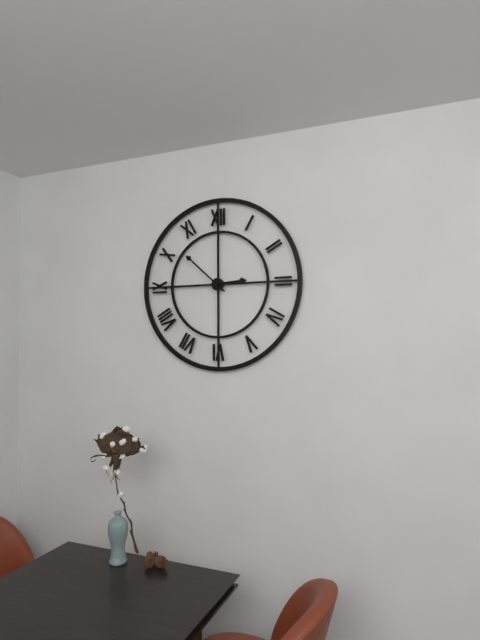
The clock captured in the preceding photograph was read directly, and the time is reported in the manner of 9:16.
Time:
2:52
